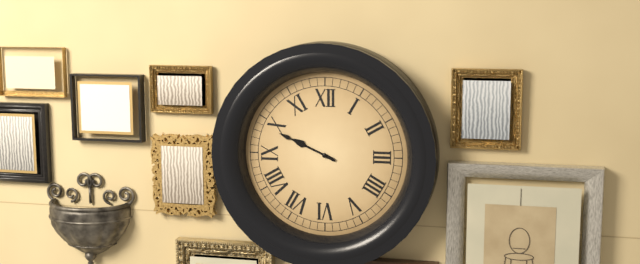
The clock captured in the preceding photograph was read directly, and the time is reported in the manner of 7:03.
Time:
9:49
